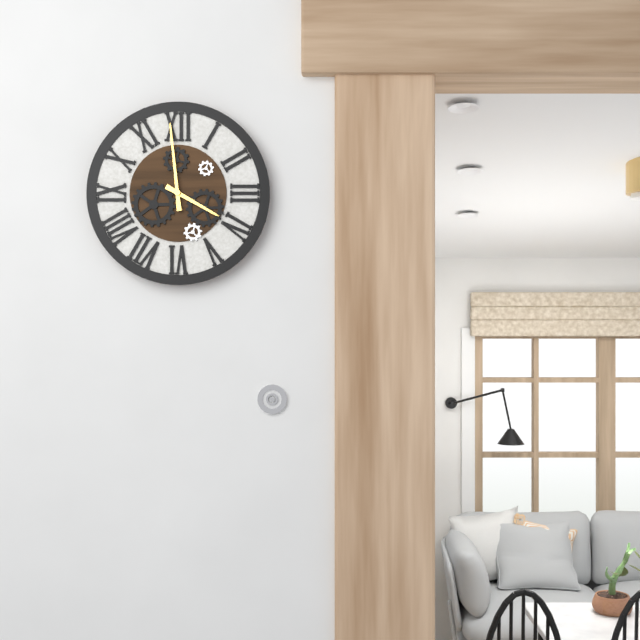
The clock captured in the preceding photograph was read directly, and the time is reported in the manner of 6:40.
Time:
3:59
